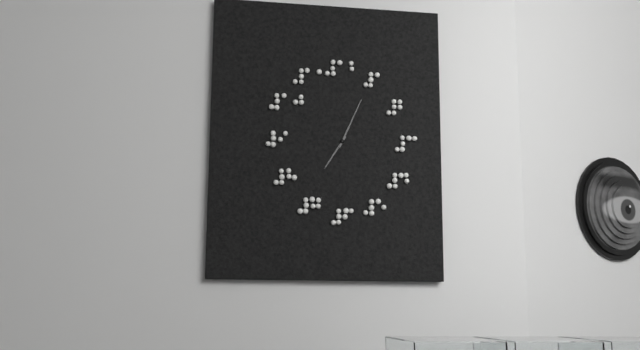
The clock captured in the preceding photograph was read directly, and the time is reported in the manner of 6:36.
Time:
7:04
